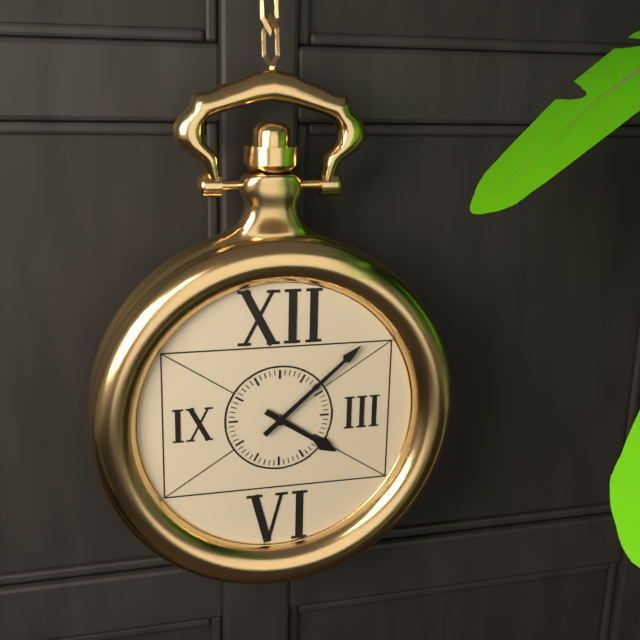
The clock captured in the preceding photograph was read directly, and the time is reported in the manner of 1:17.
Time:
4:08
